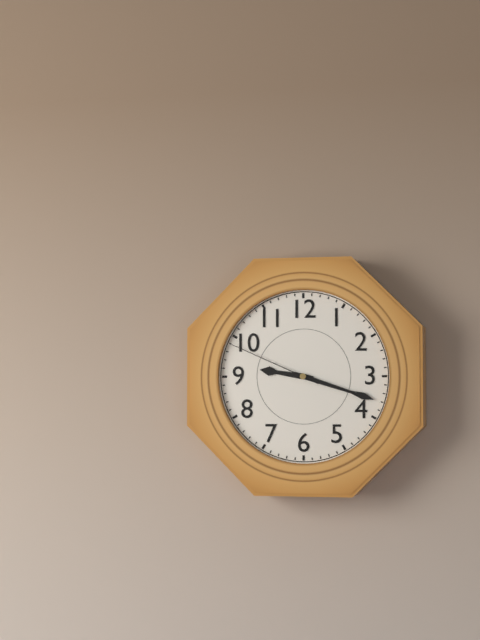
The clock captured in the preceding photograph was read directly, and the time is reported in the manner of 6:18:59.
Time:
9:18:49
